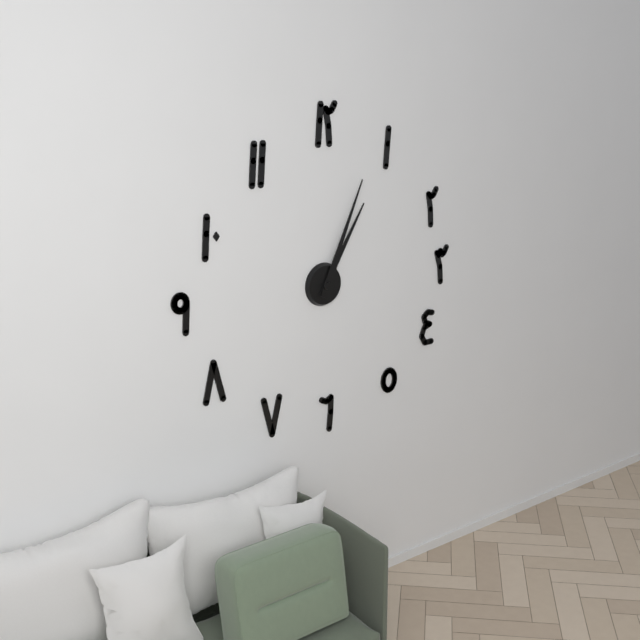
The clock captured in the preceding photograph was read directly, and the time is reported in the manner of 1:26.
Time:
1:04
